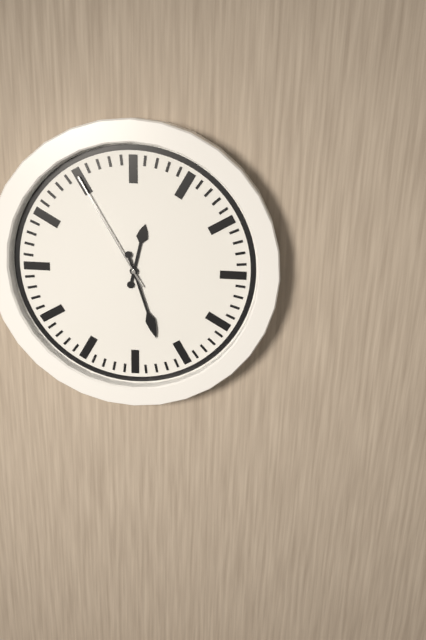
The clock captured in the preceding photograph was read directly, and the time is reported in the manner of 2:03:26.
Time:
12:27:55
